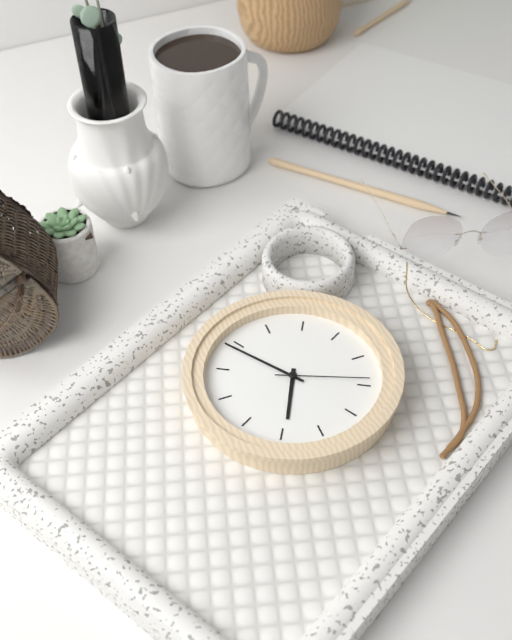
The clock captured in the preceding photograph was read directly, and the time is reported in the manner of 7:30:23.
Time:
6:54:19
